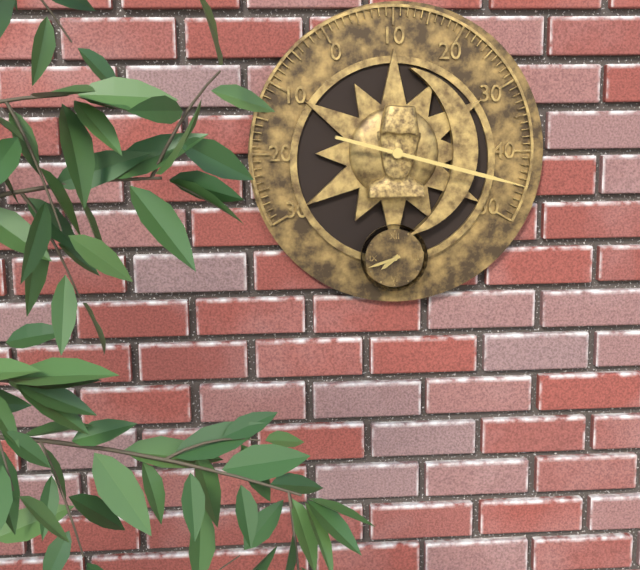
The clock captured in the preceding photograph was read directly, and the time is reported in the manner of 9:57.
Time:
7:42
